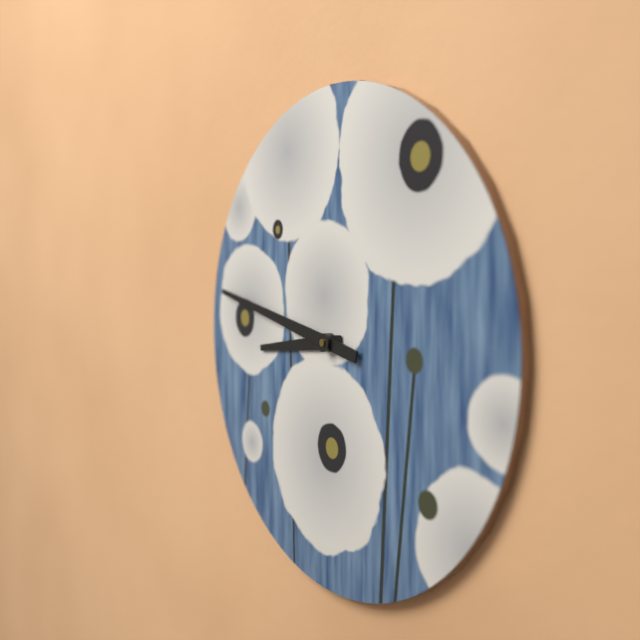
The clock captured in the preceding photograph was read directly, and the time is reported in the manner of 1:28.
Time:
8:47
